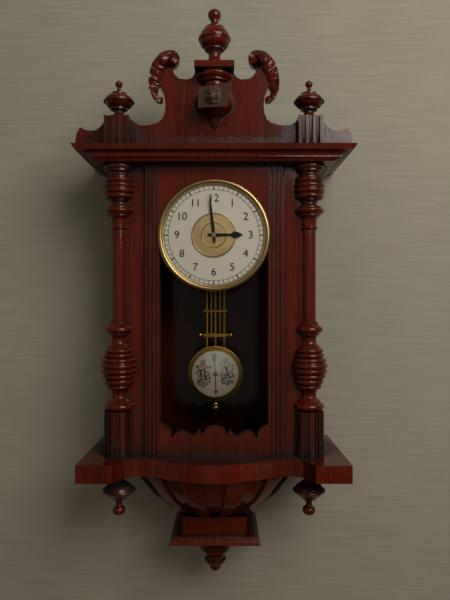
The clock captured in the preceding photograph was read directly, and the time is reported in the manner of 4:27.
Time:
2:59
